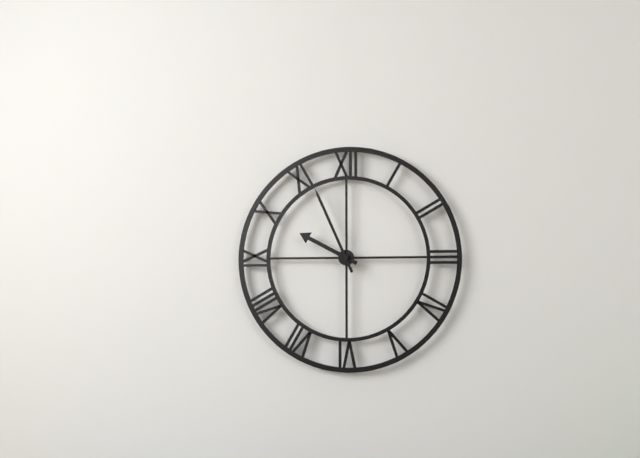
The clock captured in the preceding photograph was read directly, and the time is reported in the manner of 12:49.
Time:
9:56
